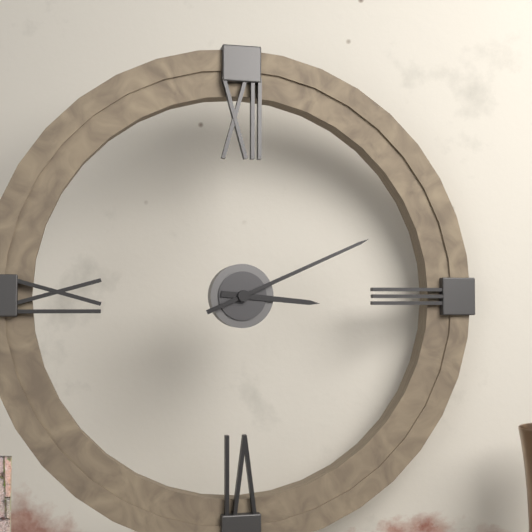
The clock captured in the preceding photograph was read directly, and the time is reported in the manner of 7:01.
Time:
3:11
